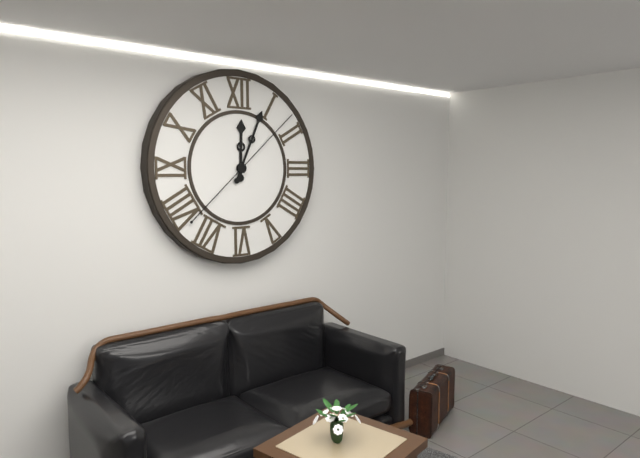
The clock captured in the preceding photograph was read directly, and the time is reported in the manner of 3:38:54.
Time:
12:04:08
